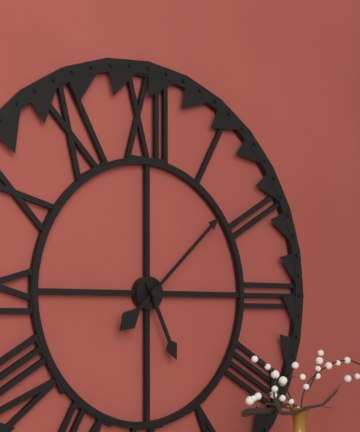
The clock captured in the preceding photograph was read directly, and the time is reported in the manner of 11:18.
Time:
5:08
